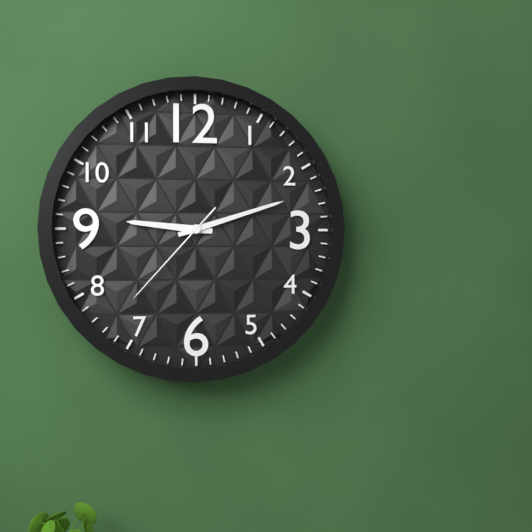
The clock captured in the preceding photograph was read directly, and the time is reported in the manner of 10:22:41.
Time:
9:12:37
